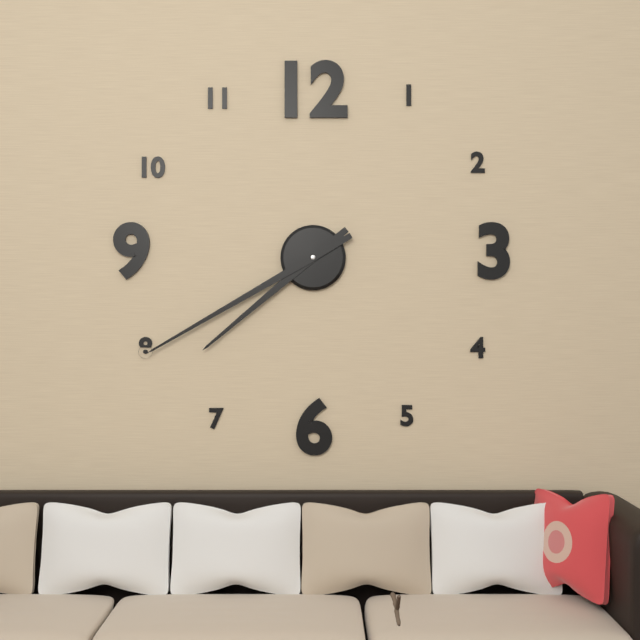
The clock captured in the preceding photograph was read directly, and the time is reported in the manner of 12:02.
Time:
7:40
